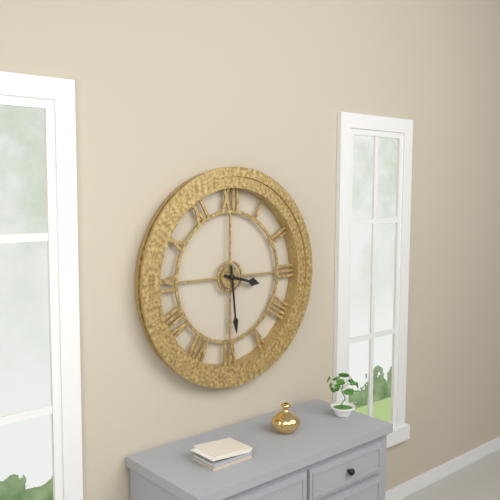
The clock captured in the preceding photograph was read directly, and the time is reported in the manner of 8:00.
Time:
3:29
